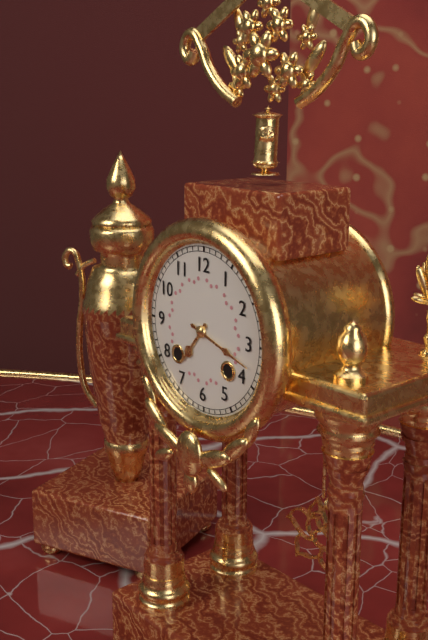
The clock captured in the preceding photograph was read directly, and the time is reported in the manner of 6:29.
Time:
7:18
